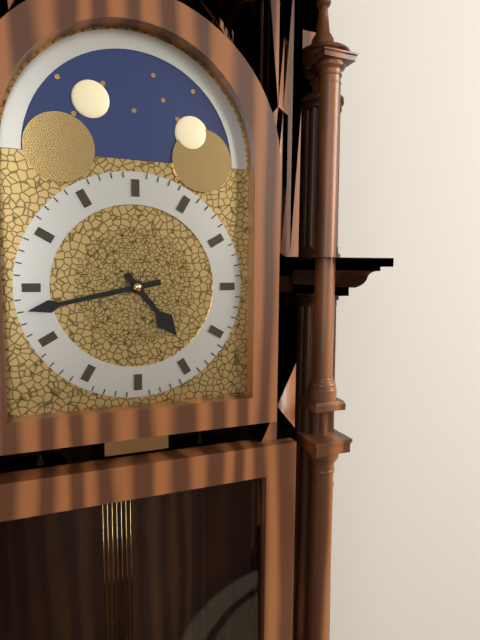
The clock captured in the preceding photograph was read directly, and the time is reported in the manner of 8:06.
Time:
4:43
